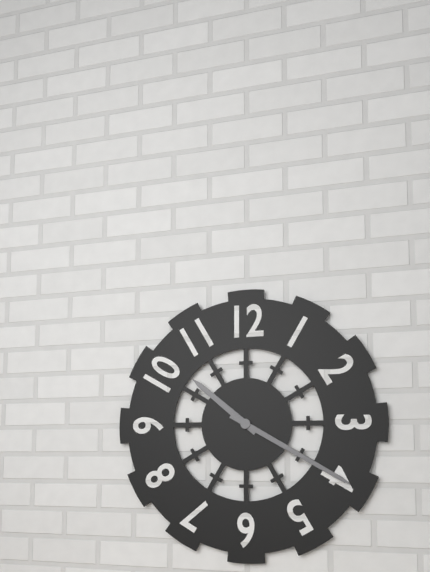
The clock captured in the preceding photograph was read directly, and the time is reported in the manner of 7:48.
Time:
10:20
